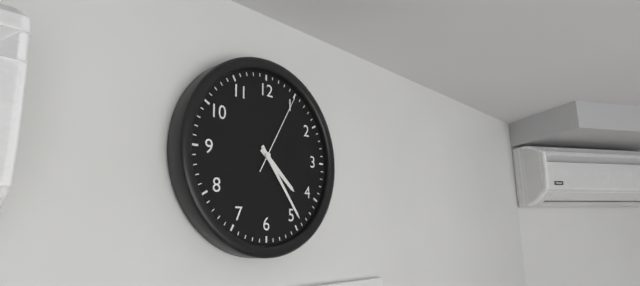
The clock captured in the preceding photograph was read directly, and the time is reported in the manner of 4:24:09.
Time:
4:24:05
